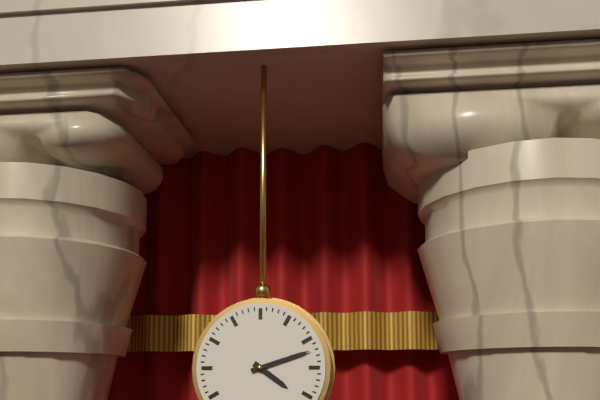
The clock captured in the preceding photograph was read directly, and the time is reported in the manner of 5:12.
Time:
4:12
